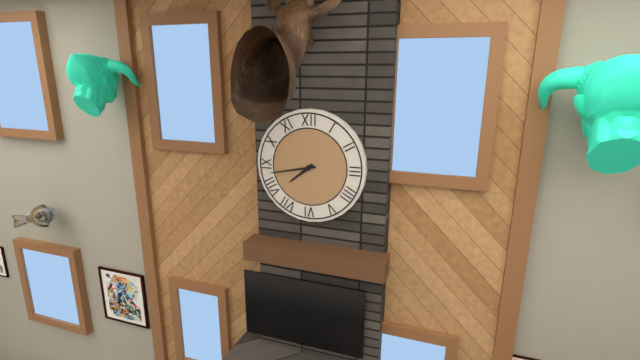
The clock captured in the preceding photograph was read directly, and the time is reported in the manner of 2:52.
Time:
7:43
